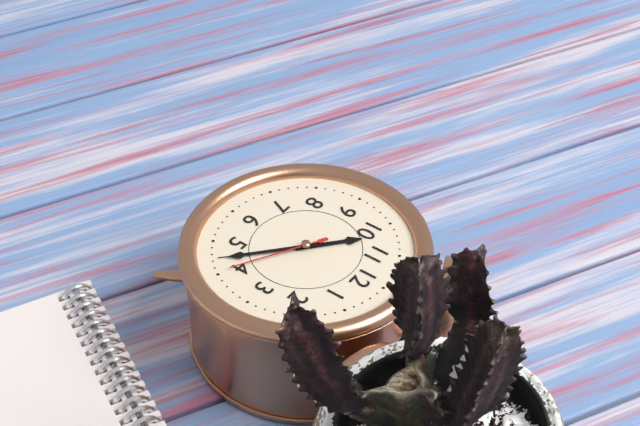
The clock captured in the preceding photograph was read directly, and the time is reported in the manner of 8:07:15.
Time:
10:22:20
